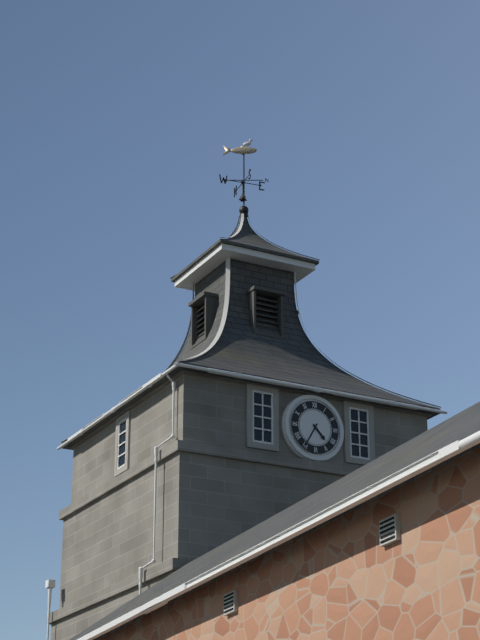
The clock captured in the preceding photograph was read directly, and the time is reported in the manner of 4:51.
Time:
4:35
